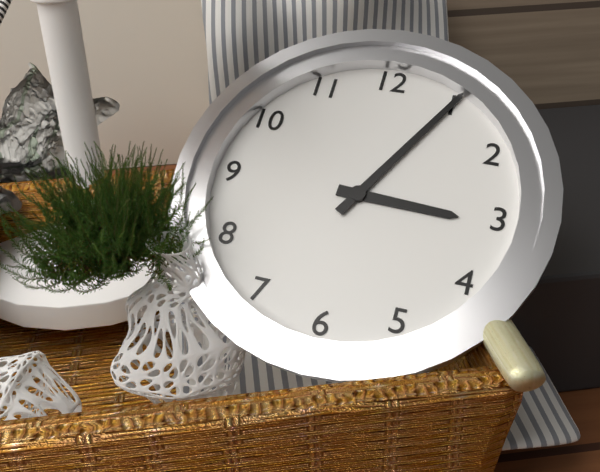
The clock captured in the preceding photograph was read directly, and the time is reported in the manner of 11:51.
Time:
3:05
